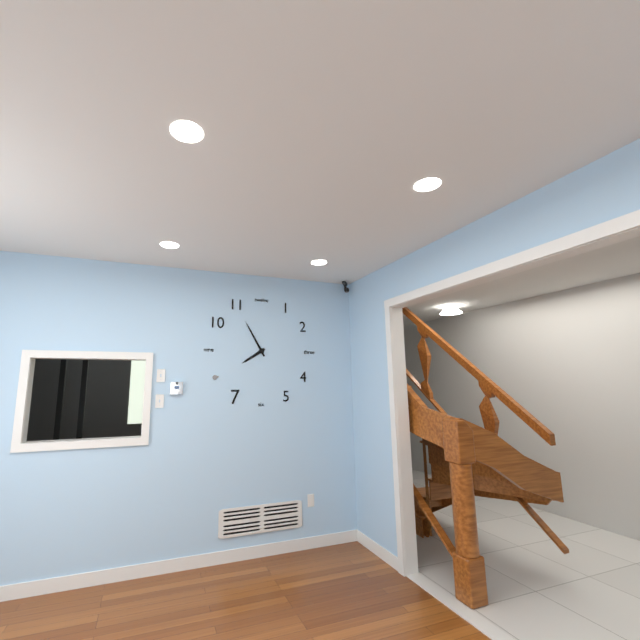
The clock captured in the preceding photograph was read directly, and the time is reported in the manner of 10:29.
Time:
7:55
